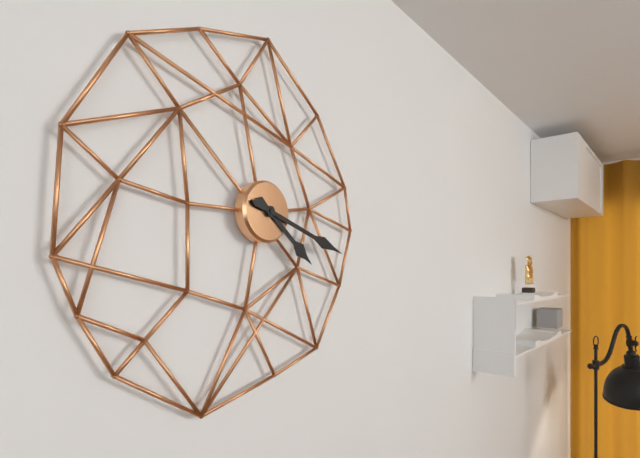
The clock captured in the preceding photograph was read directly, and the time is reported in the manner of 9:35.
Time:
4:18
